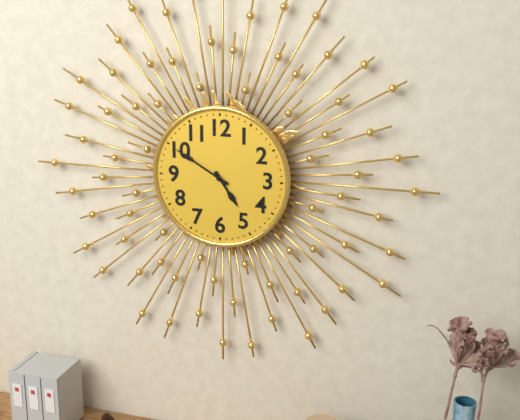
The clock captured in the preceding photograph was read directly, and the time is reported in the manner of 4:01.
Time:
4:50
